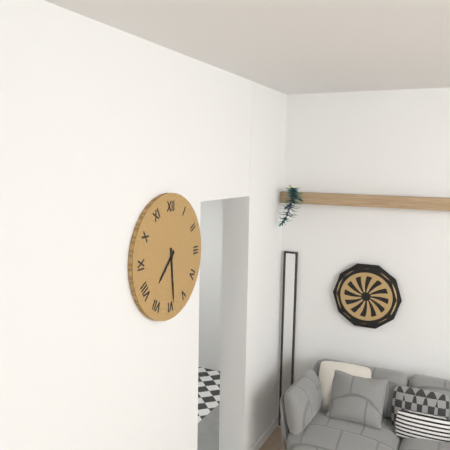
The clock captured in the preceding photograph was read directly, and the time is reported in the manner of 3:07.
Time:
7:29
